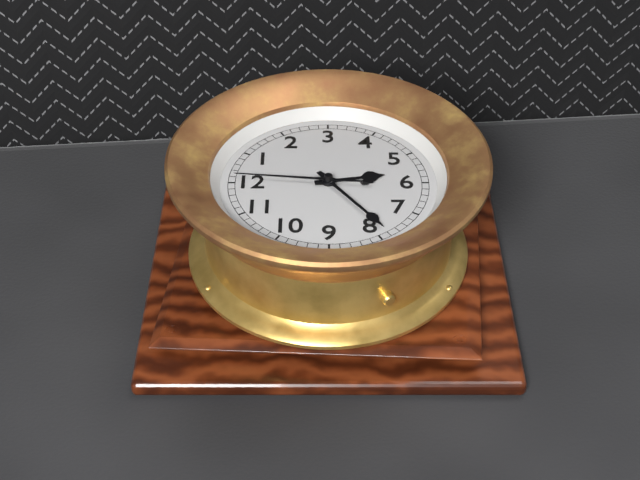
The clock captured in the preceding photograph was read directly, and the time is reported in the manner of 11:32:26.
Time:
5:39:01
